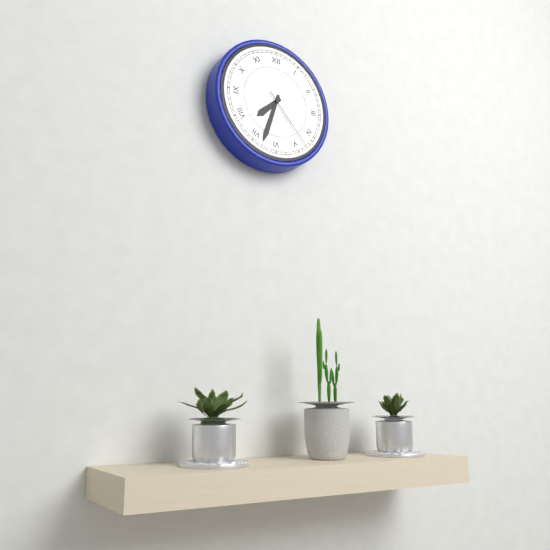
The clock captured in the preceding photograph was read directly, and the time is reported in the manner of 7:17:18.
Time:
7:33:23
